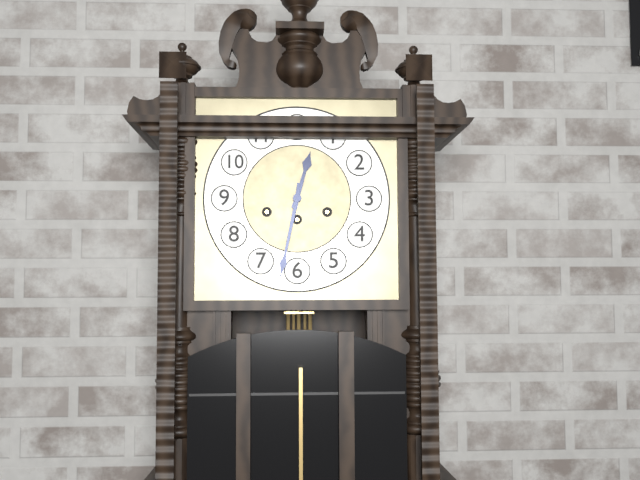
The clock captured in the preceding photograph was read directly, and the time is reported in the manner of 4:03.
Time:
12:32
